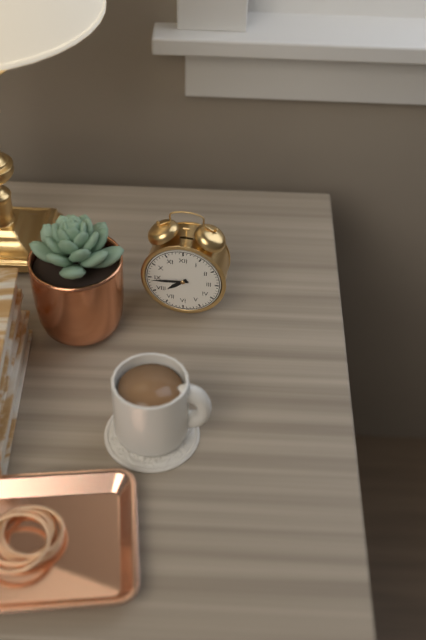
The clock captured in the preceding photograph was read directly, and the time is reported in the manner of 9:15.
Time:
7:44
